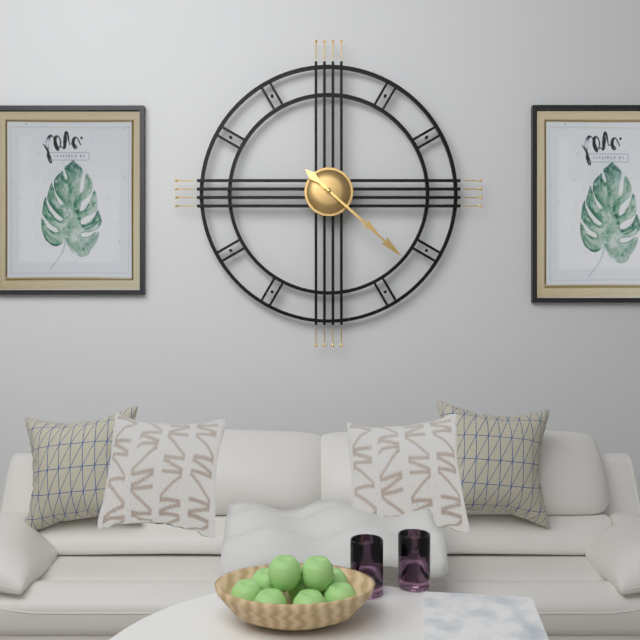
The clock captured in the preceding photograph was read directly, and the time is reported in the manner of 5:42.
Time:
4:22
